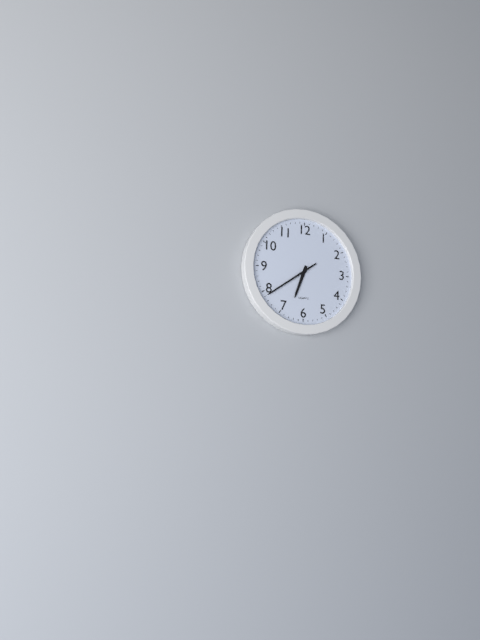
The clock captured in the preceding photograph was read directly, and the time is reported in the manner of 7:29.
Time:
6:39
